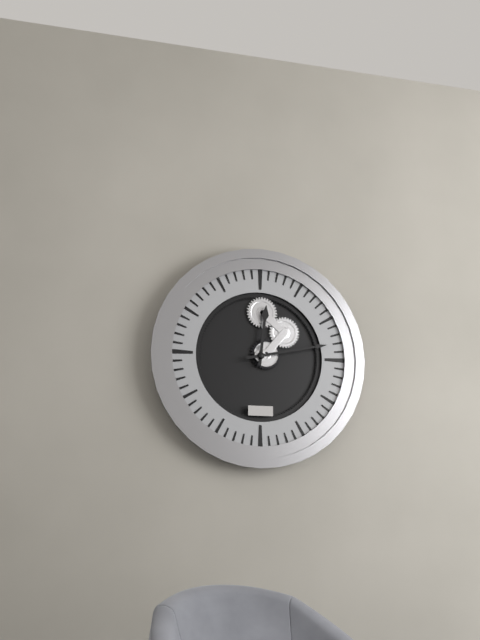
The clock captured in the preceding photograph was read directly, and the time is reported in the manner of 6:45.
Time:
12:13
